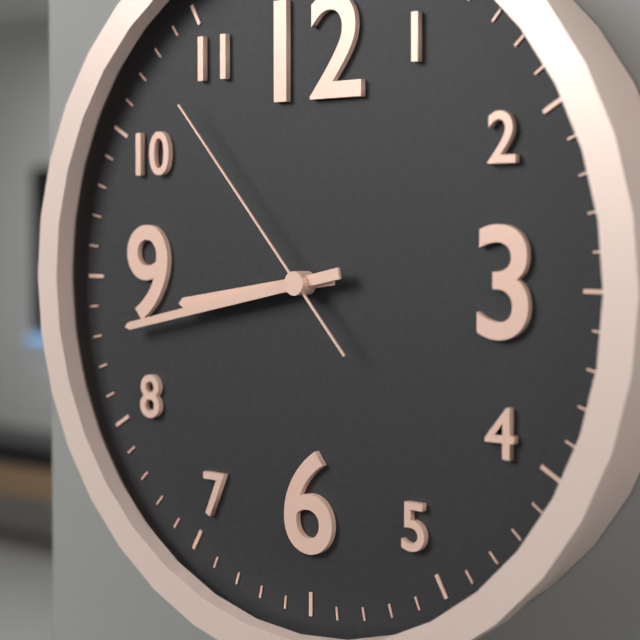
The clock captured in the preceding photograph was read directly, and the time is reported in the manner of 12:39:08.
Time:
8:43:53
